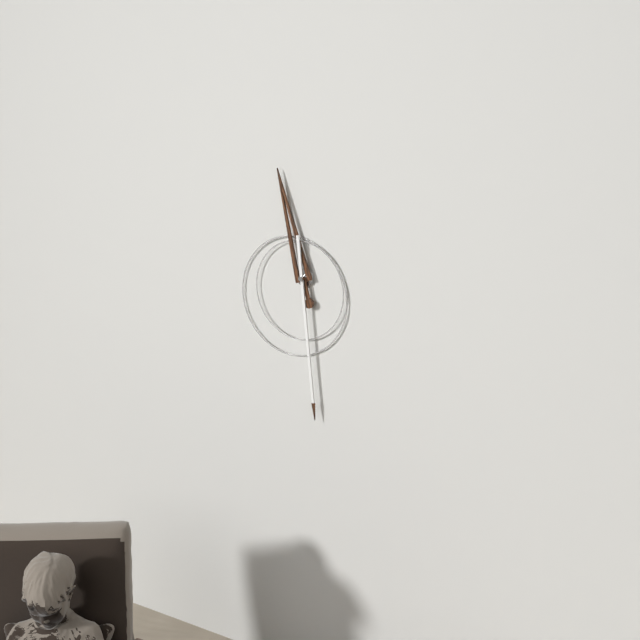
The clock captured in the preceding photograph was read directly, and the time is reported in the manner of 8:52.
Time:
11:29
